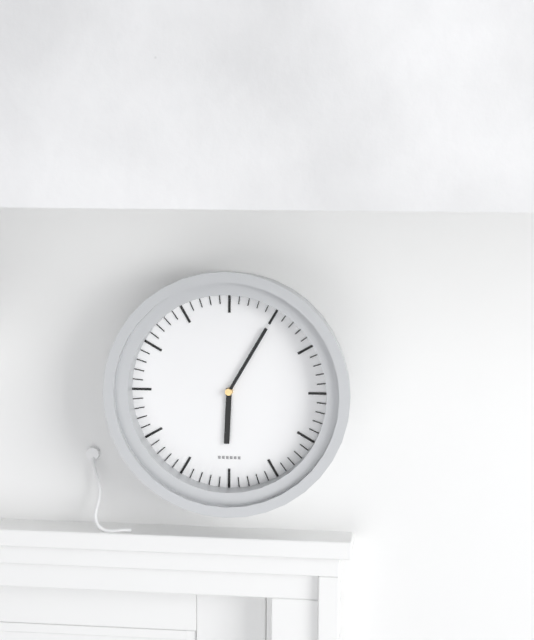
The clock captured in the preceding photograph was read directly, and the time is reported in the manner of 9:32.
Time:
6:05
